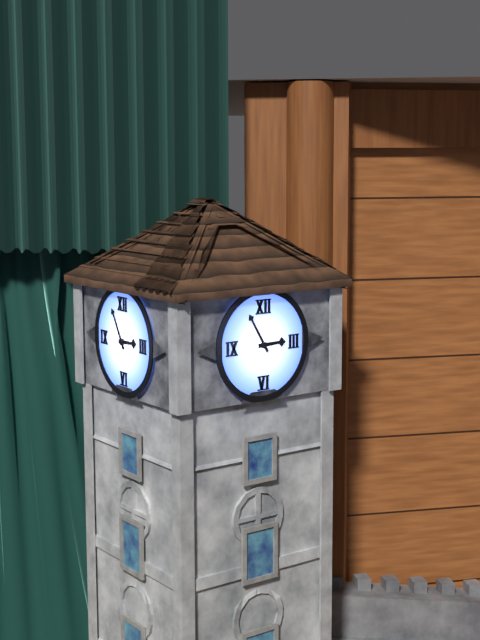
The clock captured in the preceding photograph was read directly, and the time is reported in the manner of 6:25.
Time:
2:55
